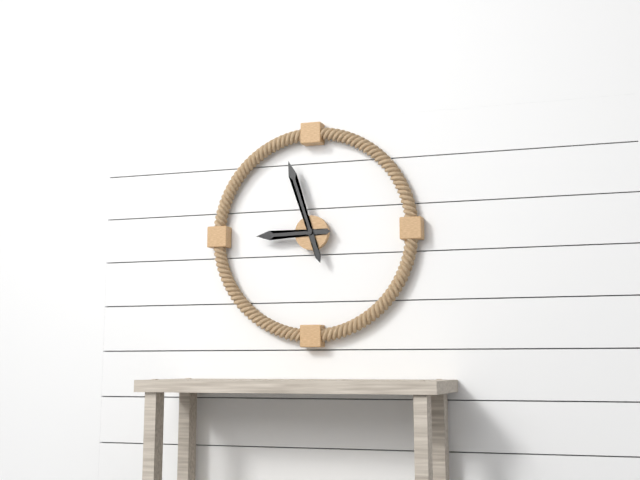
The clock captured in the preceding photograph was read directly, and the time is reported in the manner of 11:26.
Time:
8:57
